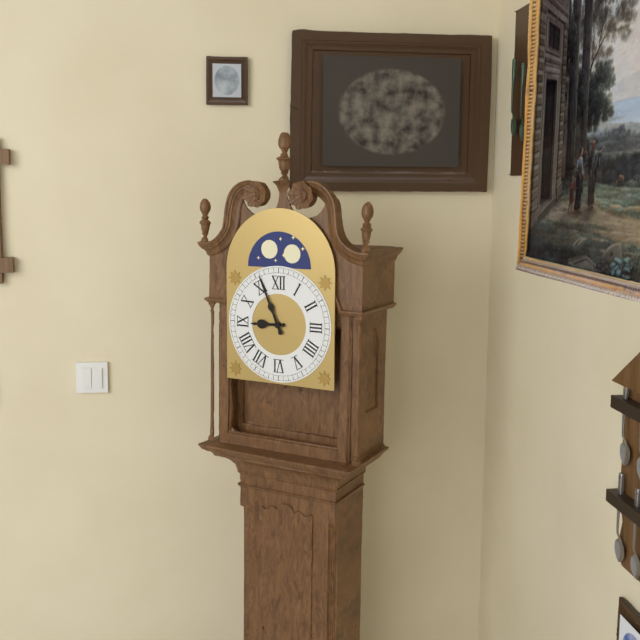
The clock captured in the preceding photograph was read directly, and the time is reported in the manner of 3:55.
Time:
8:56
